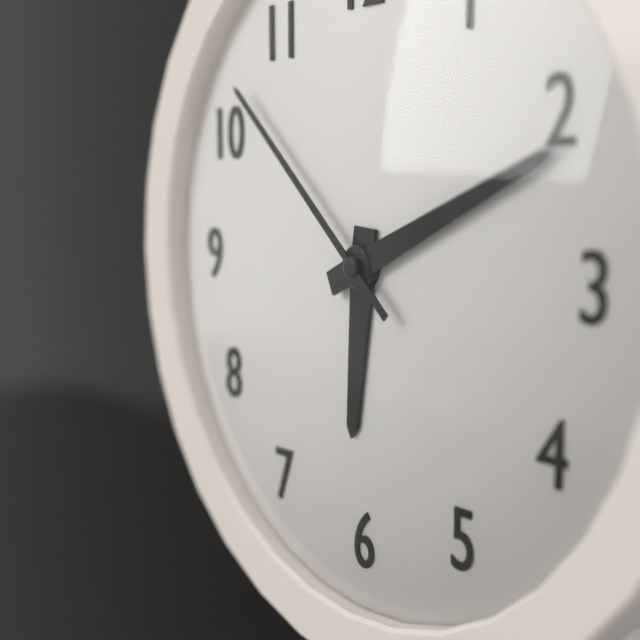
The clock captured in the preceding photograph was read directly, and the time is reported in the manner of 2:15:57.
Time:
6:11:52
